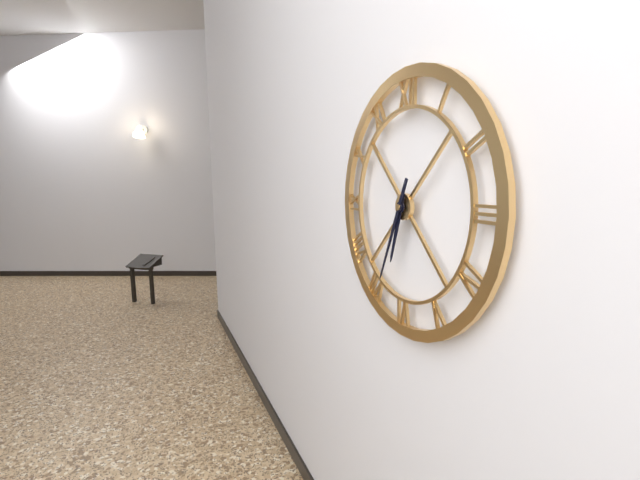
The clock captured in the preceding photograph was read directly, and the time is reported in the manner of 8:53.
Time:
6:34
